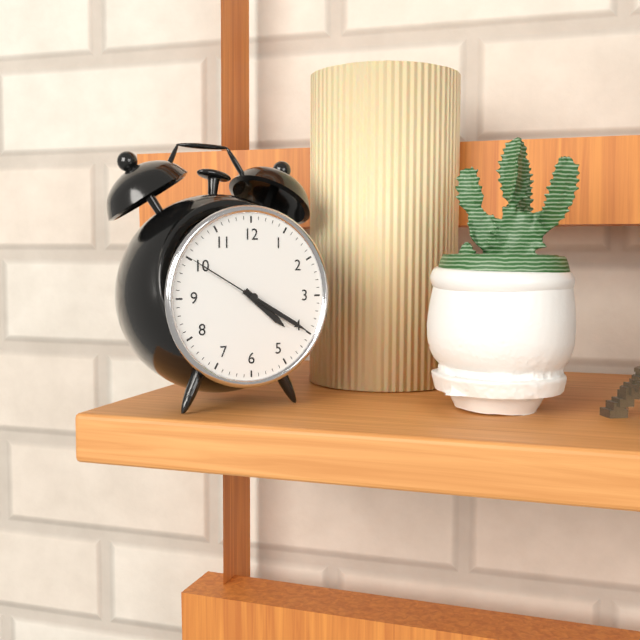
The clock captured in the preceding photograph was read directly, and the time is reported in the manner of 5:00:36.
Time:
4:20:50
